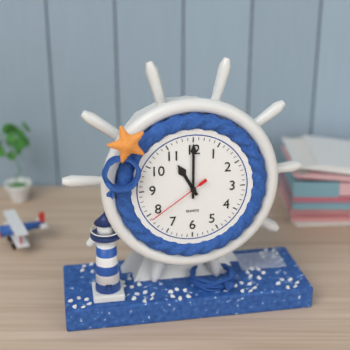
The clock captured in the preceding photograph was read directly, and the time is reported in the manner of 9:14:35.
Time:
11:00:39
